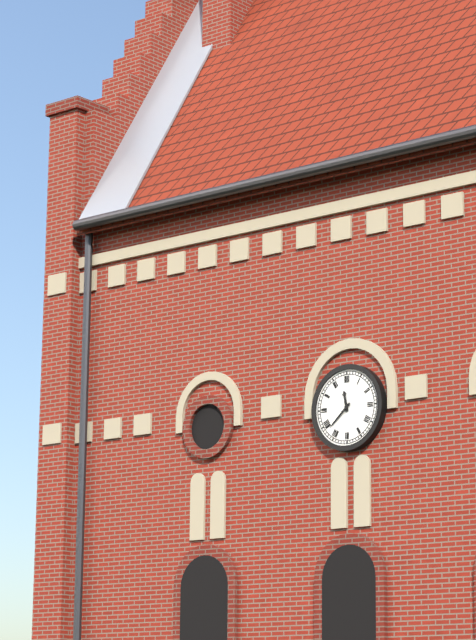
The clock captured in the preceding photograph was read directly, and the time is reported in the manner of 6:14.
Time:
11:38
